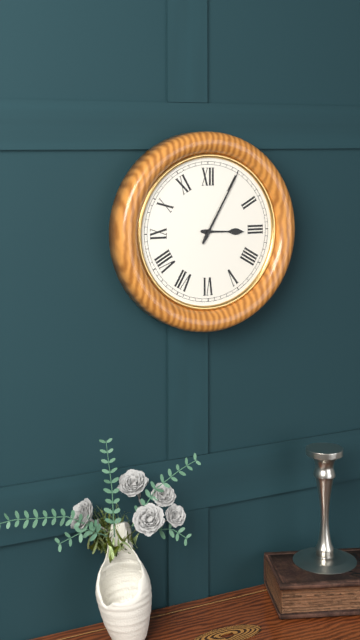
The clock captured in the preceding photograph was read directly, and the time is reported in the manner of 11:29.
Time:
3:05
